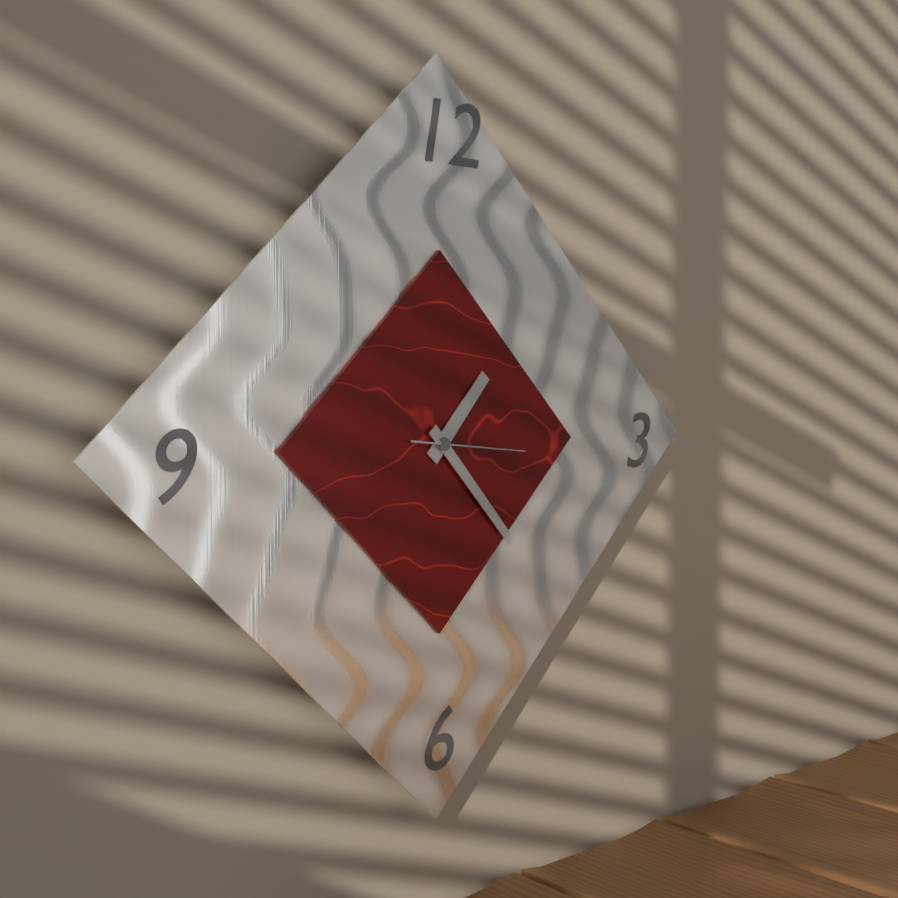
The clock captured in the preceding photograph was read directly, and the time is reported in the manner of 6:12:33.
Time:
1:23:16
